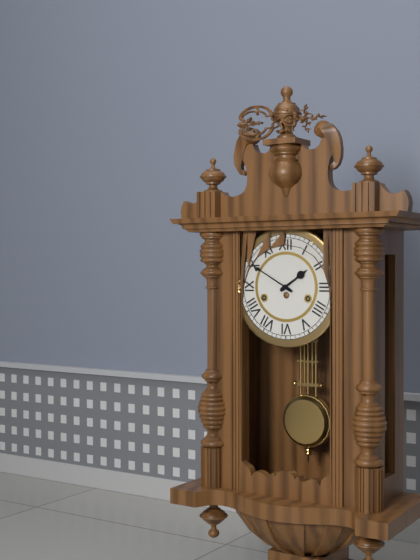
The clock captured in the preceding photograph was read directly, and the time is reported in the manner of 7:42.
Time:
1:50
